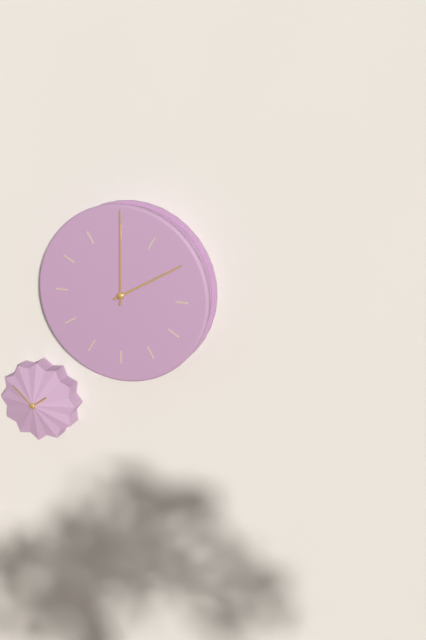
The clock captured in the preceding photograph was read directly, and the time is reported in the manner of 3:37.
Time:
2:00
